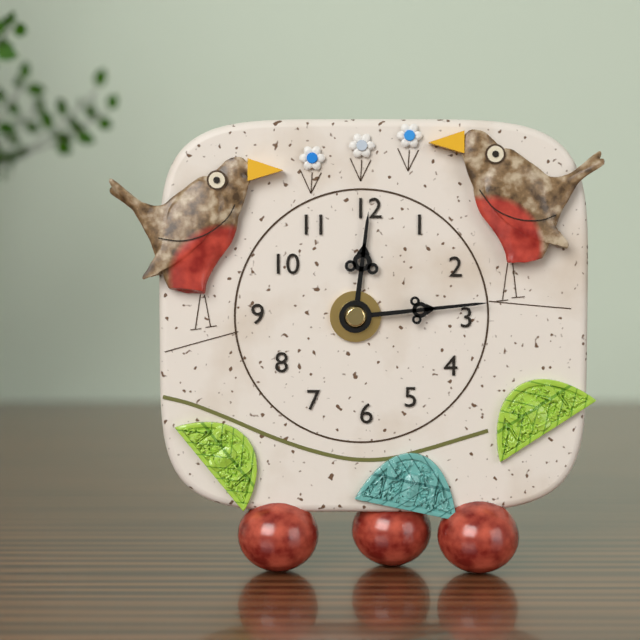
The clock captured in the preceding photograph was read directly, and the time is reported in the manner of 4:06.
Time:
12:14
